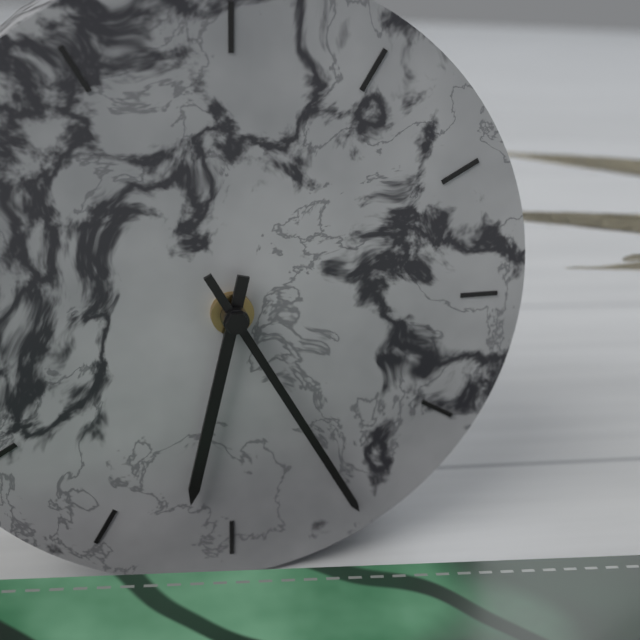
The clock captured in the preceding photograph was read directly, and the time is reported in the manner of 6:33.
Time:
6:25
